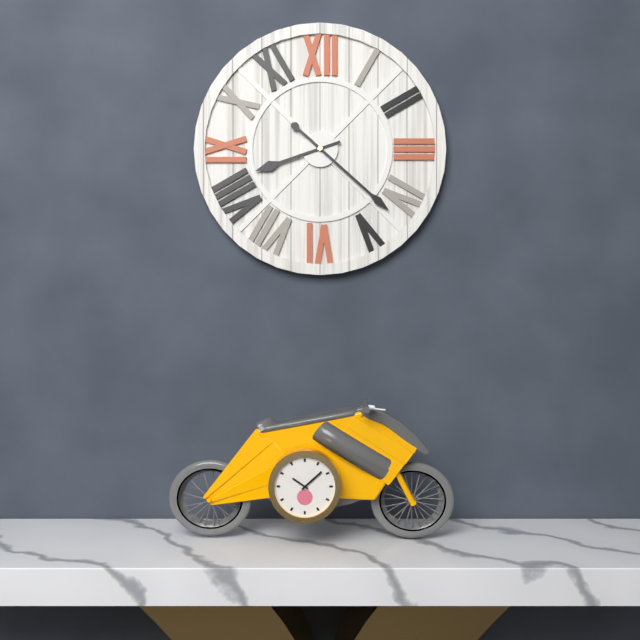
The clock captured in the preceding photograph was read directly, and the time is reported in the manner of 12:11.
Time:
8:22
